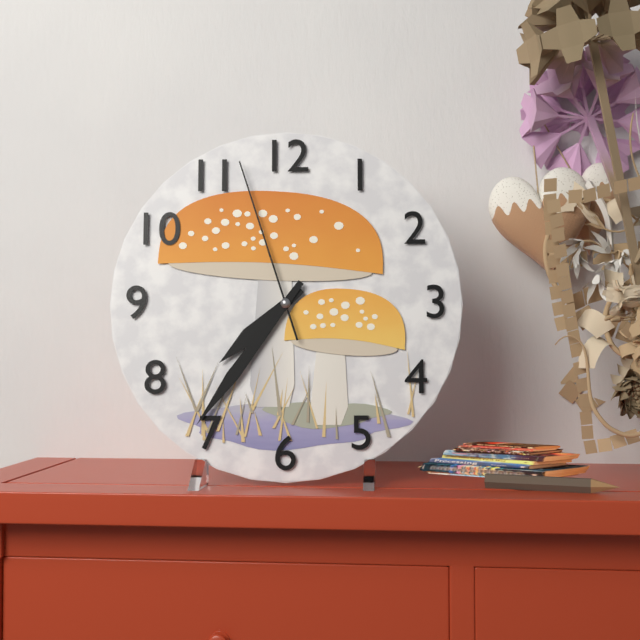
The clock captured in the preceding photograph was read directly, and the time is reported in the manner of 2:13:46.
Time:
7:36:57
